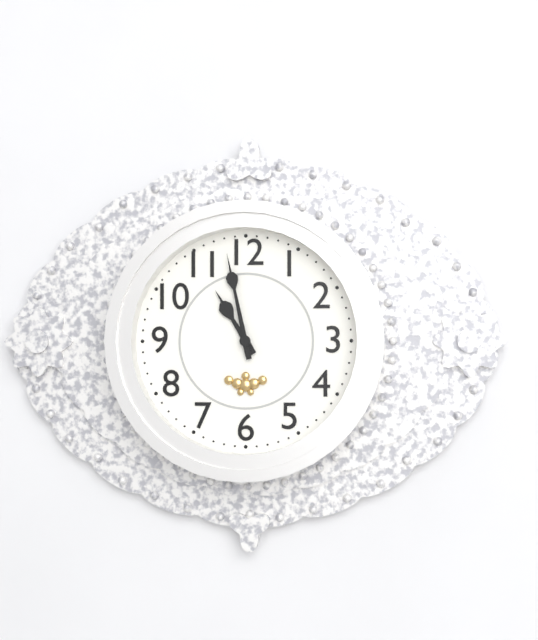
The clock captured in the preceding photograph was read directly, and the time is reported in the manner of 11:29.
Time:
10:58
